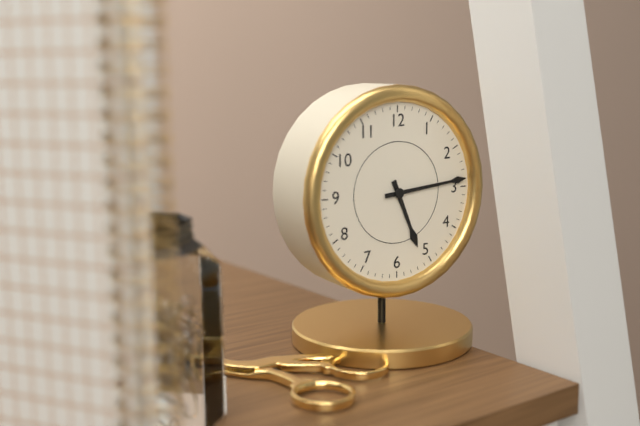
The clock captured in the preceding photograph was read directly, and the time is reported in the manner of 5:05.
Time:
5:14
